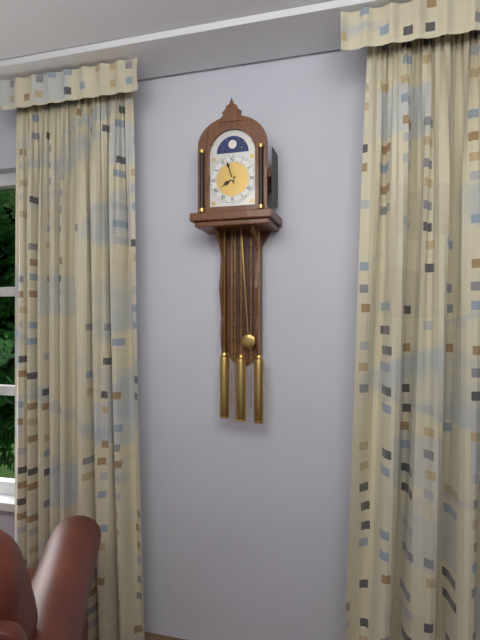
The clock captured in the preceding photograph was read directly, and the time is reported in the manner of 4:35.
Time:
7:57
